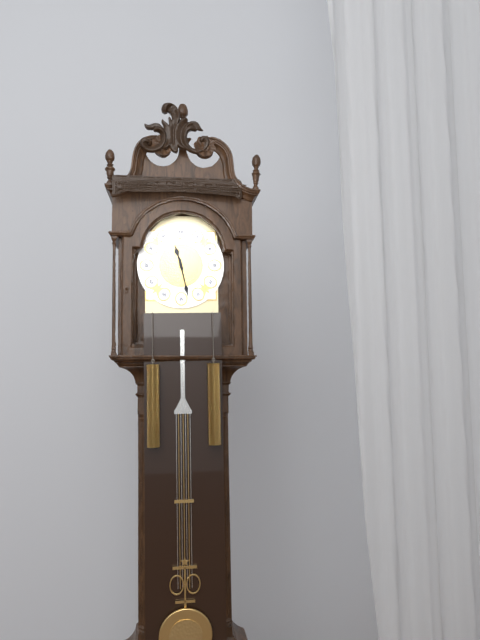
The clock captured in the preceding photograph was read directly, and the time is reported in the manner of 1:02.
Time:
11:28
